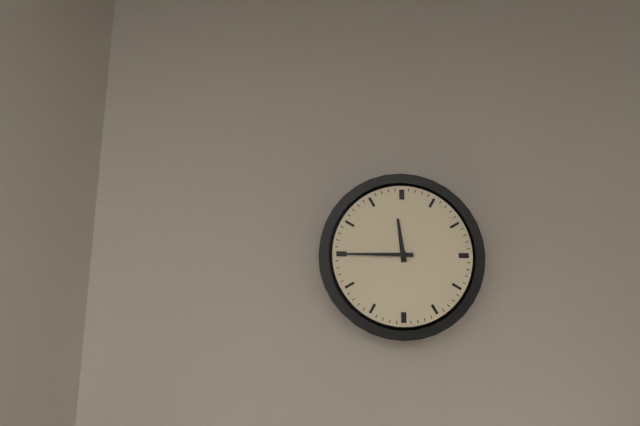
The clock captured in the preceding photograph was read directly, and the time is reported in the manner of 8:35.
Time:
11:45
